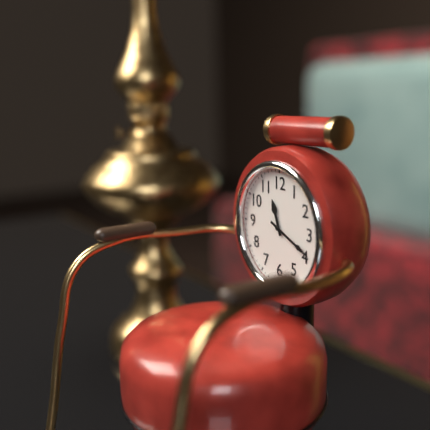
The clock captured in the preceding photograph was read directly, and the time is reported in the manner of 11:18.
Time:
11:19
